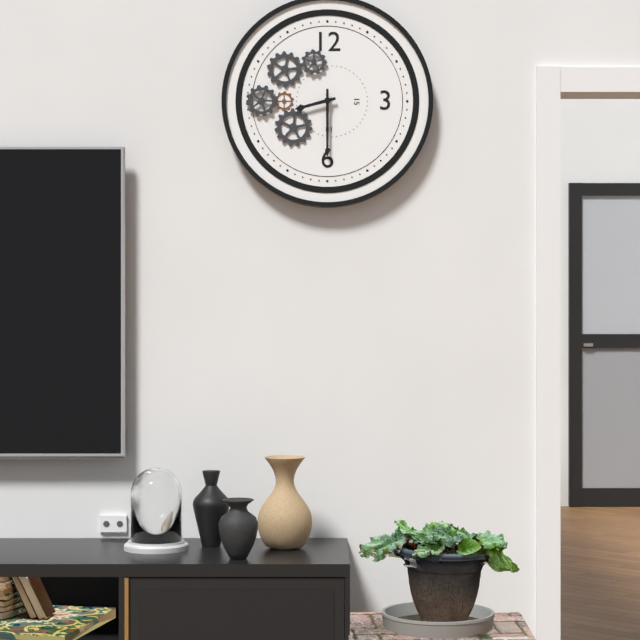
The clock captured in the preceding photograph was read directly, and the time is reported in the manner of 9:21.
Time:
8:30
